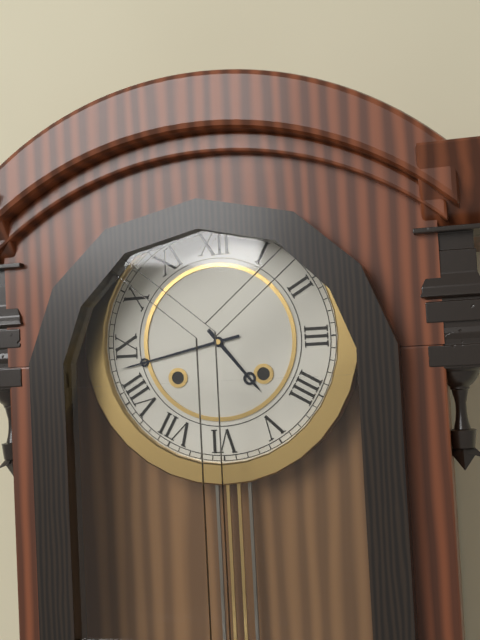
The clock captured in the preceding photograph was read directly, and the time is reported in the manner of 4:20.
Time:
4:43
